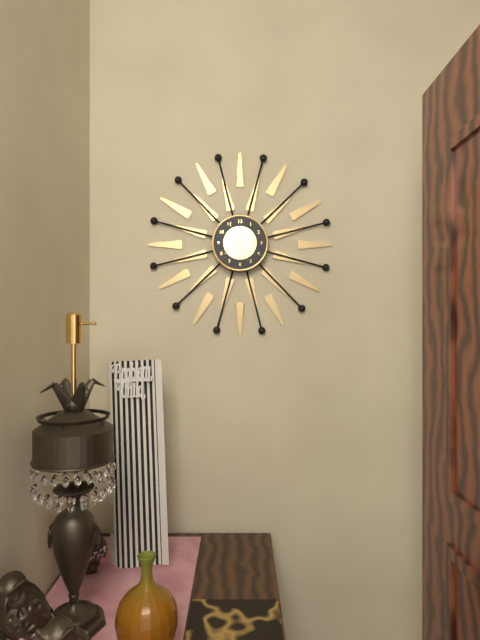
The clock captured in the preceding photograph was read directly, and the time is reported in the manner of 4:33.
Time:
1:39
